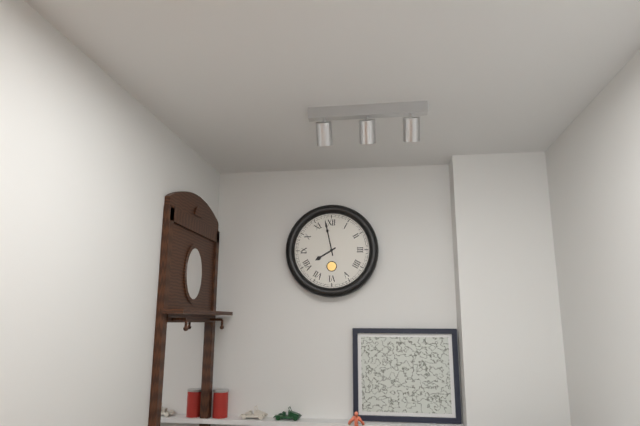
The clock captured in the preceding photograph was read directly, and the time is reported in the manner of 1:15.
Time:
7:58
